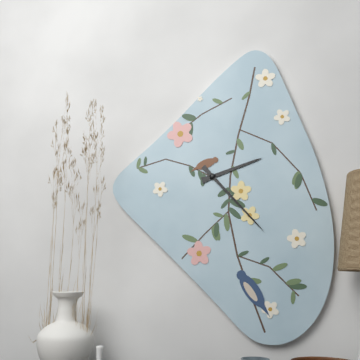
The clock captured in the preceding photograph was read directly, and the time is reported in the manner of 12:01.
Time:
2:23
